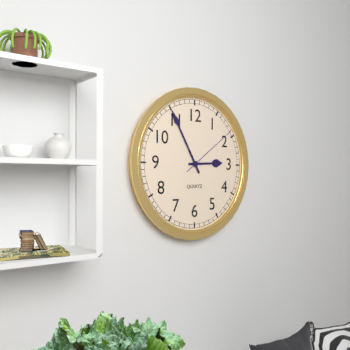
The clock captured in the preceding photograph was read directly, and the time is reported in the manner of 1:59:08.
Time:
2:55:09
